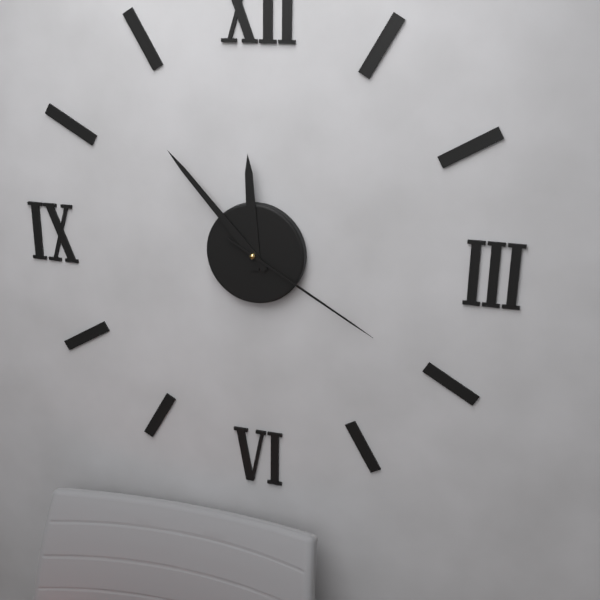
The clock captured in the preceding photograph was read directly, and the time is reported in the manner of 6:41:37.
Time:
11:53:20
